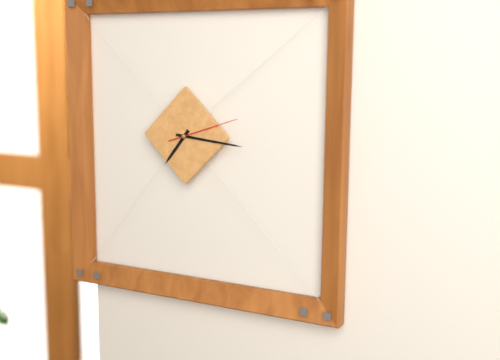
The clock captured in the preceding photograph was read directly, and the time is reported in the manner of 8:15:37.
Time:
7:16:12
